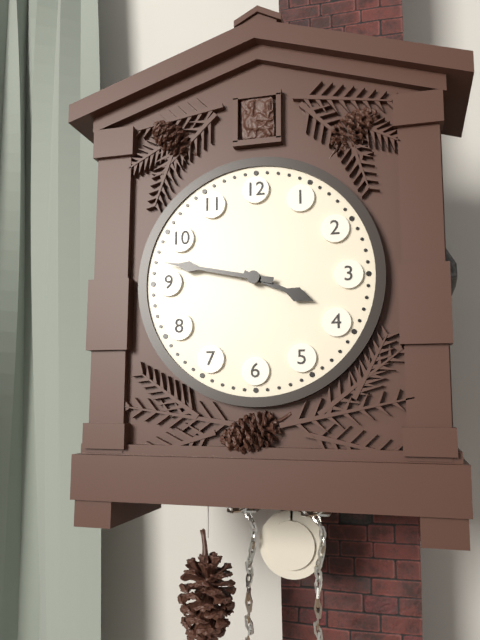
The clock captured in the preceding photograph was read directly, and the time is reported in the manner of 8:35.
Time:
3:47
